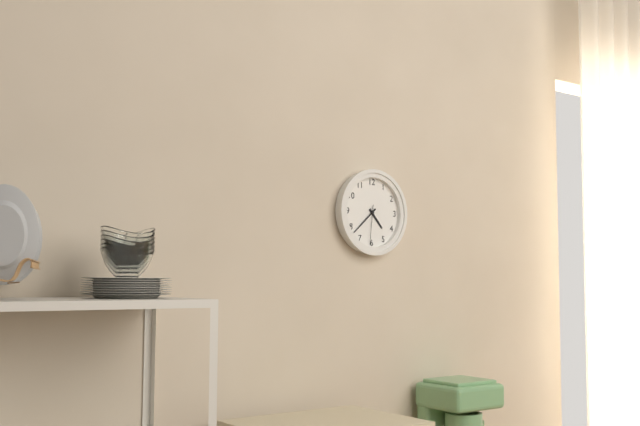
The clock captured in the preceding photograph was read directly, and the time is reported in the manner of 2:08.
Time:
4:38
